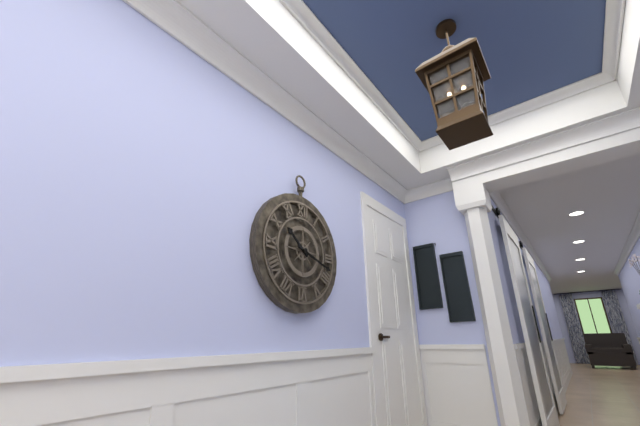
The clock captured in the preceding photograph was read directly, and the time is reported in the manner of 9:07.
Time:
10:18
